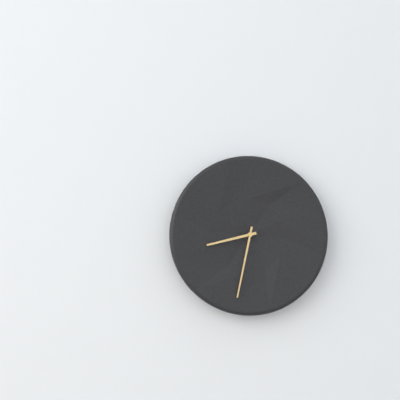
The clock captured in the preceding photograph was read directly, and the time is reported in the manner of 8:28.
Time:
8:32
